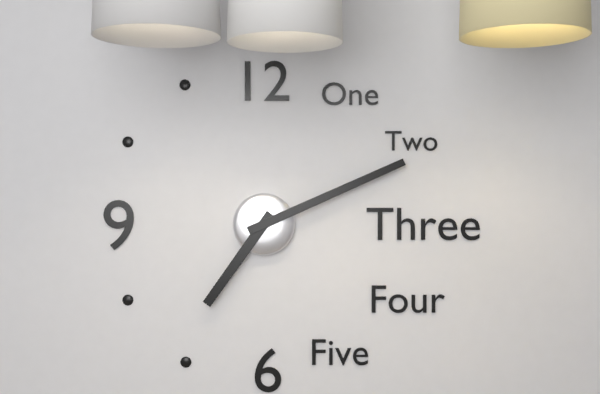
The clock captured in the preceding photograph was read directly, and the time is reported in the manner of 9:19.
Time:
7:11
